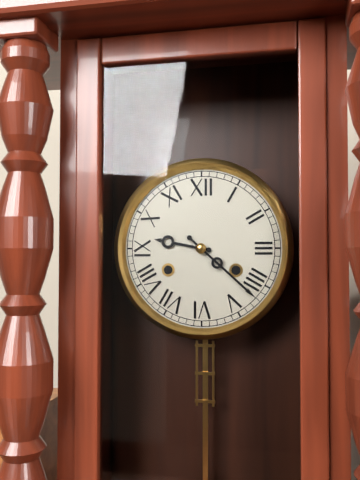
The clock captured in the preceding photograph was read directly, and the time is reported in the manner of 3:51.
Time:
9:22
